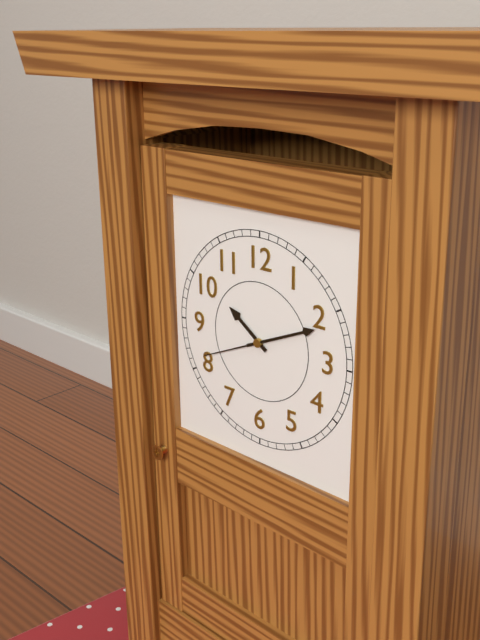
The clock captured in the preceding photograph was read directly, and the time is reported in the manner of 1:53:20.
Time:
10:11:41
